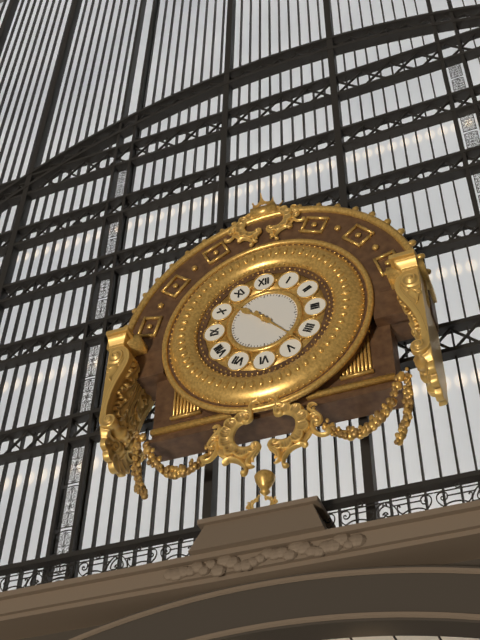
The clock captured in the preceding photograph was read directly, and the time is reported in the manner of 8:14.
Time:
10:23
